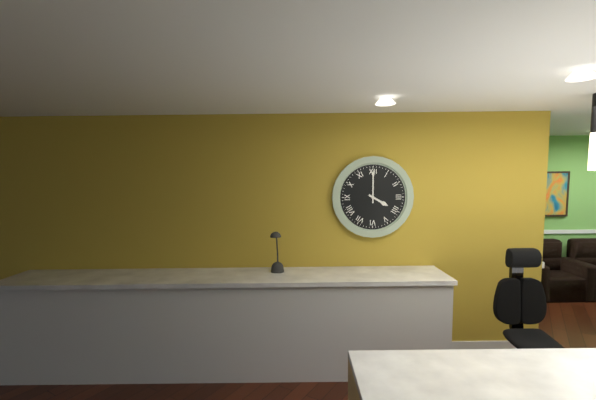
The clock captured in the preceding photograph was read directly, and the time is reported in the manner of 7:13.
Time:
4:00
